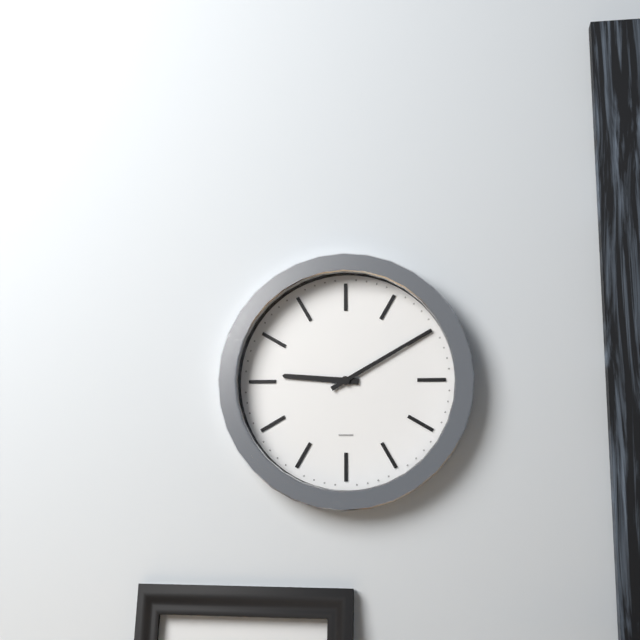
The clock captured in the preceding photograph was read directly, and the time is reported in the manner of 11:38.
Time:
9:10
